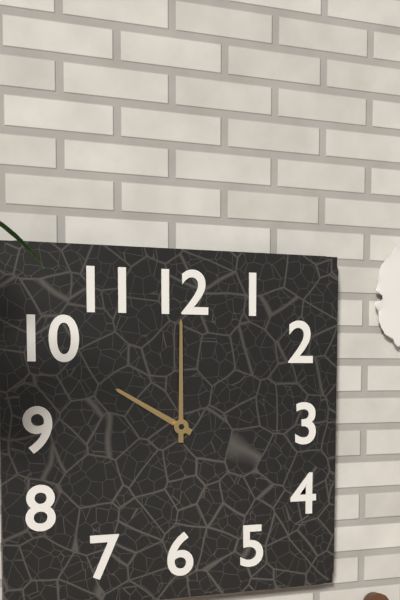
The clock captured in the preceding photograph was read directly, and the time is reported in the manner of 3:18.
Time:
10:00
